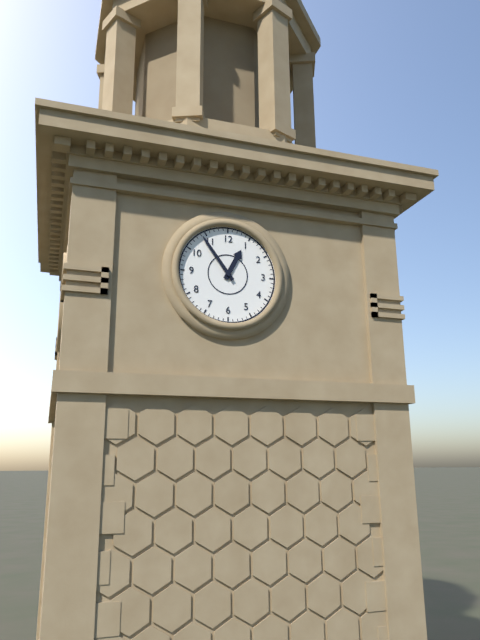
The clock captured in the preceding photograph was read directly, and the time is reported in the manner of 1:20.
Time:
12:54
